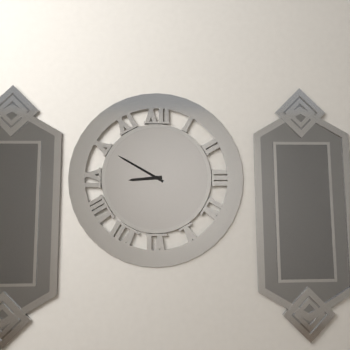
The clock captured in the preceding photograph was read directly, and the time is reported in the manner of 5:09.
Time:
8:50
